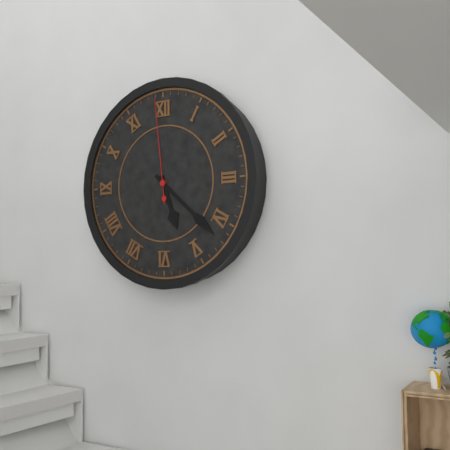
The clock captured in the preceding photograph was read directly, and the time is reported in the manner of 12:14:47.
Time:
5:22:59
